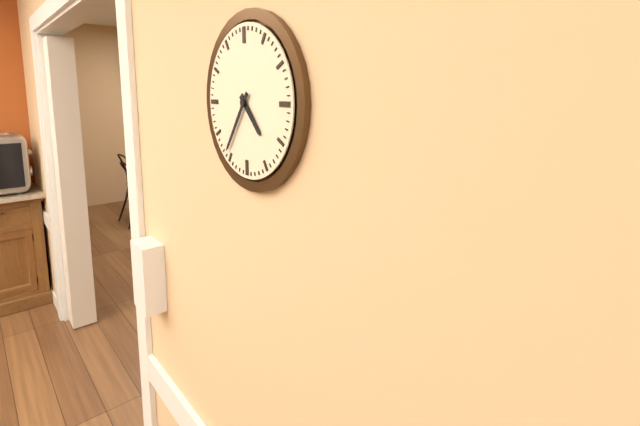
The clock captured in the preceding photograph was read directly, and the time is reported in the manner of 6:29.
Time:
4:36
